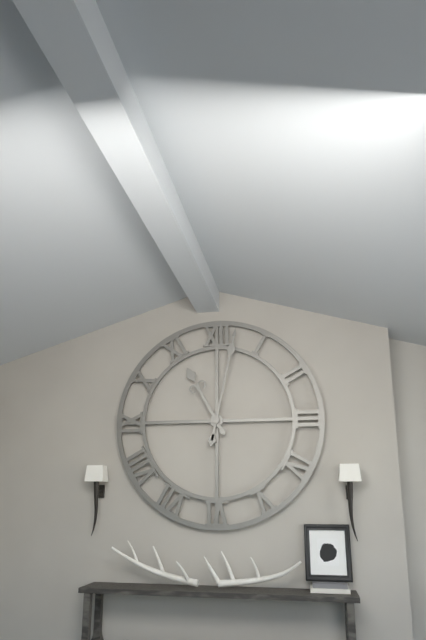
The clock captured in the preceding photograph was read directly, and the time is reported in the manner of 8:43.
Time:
11:02
